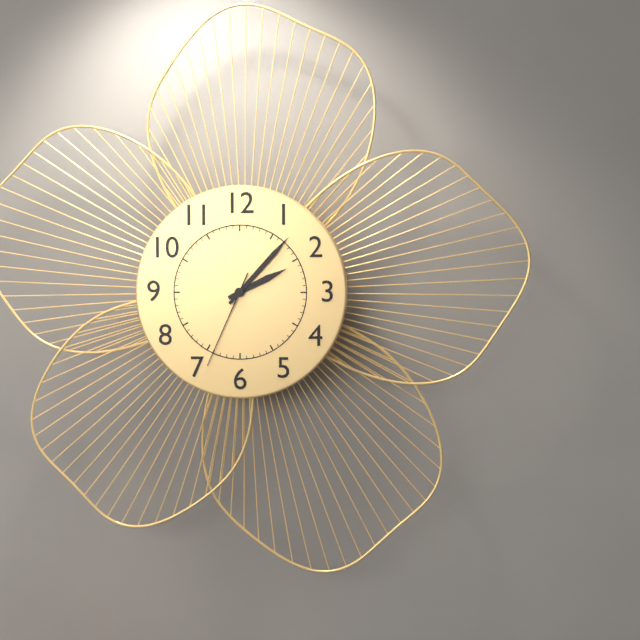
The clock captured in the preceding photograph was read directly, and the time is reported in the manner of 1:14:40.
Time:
2:07:34
